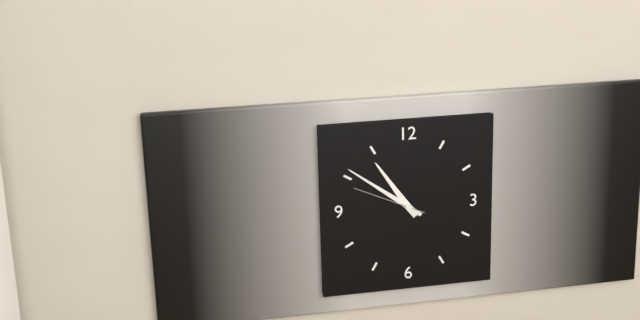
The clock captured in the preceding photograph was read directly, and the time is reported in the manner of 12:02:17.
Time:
10:51:49
